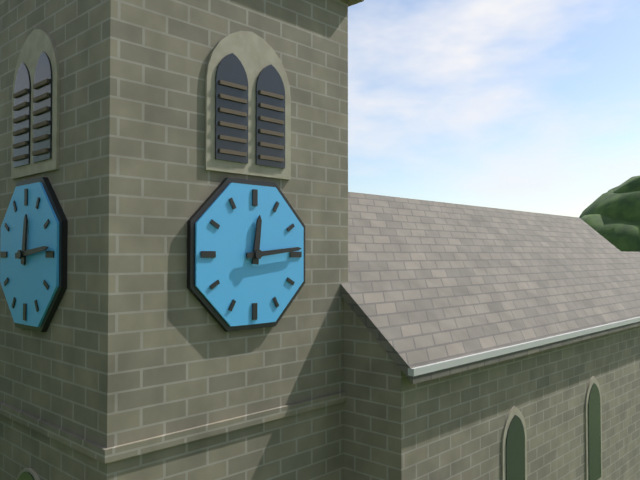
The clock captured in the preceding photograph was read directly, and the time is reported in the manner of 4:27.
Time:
12:14
